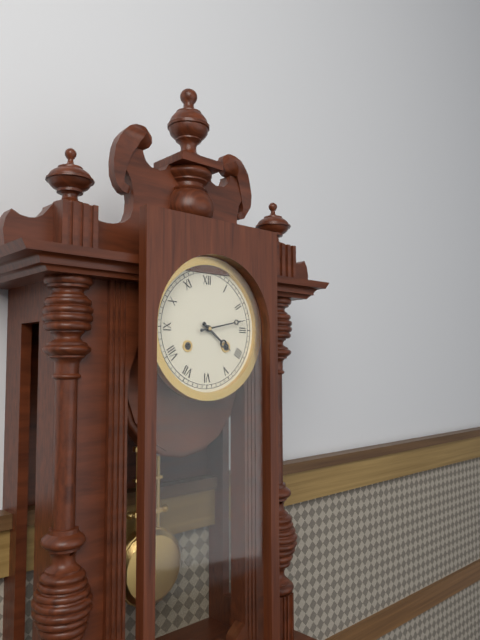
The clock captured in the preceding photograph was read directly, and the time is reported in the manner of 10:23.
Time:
4:13
